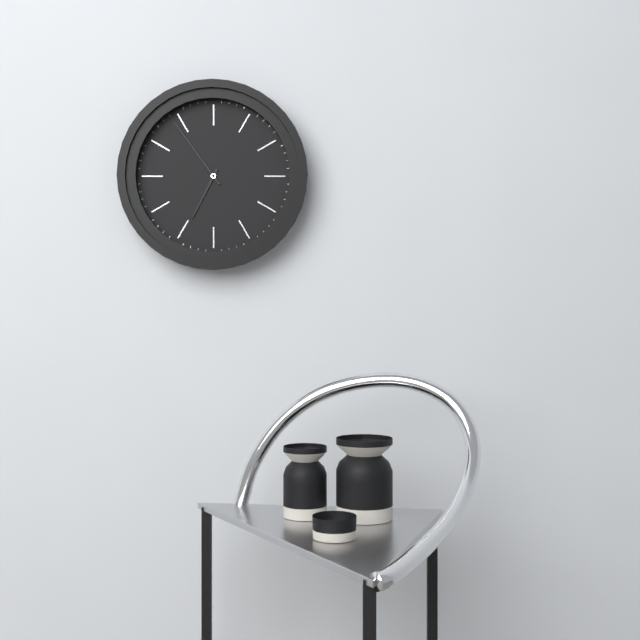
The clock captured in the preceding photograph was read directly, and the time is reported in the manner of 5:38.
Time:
6:54
